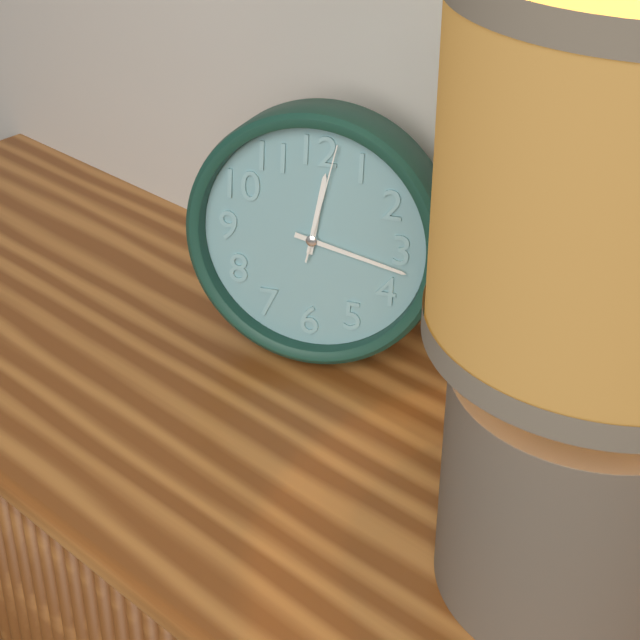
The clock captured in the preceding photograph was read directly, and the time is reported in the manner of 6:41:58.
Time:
12:17:02
